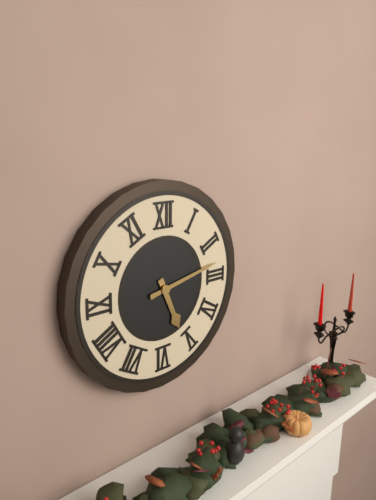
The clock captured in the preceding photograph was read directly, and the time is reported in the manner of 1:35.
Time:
5:13
